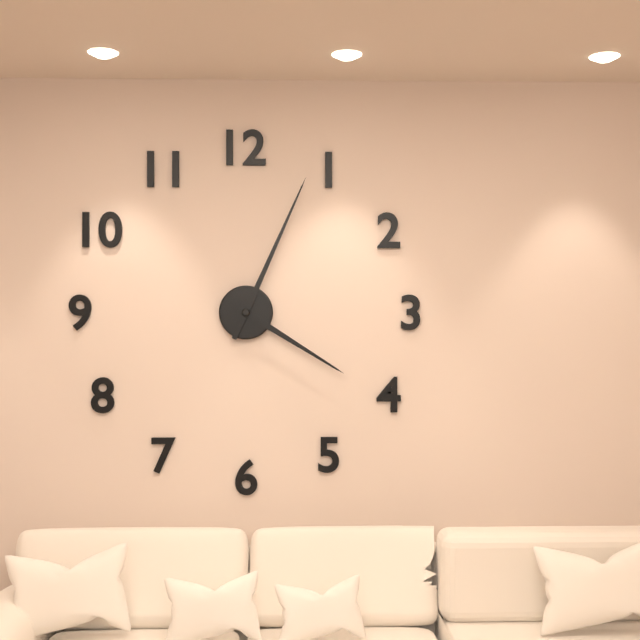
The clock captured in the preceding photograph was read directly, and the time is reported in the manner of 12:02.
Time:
4:04
